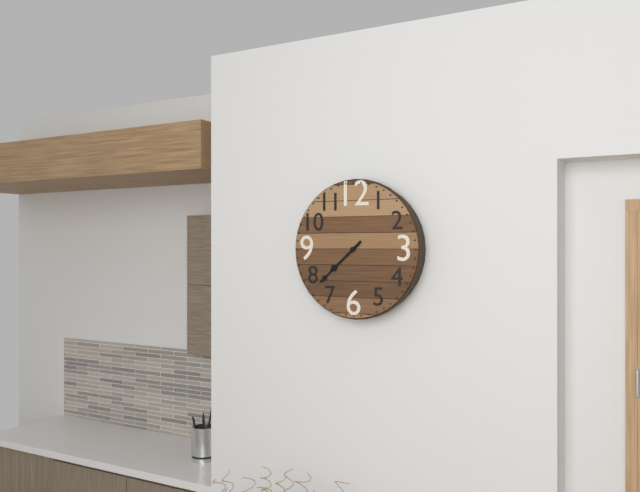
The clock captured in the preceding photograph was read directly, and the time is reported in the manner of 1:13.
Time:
7:38
